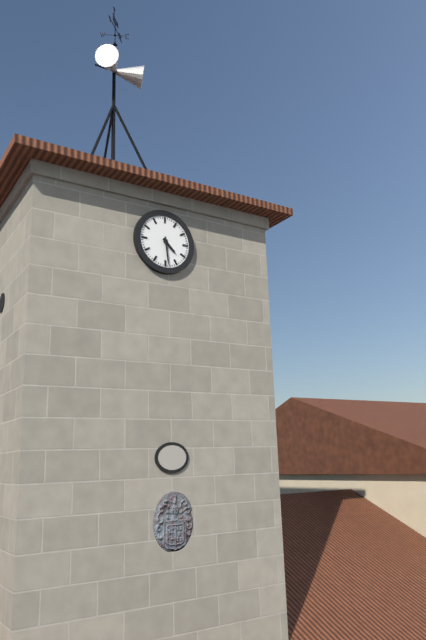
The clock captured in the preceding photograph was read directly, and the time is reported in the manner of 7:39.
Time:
4:29
